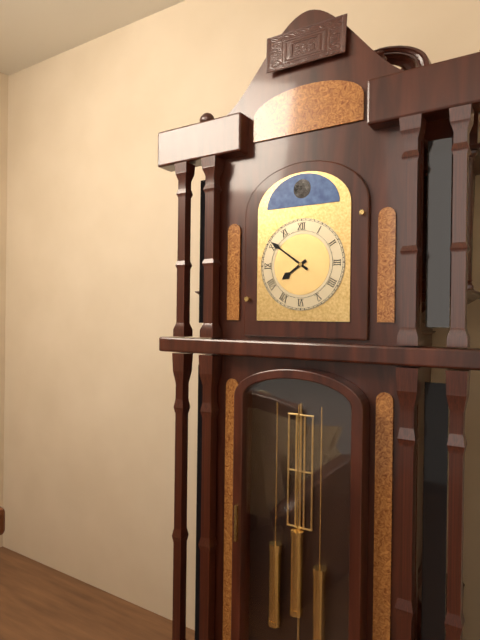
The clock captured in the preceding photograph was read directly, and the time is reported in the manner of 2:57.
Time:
7:51
